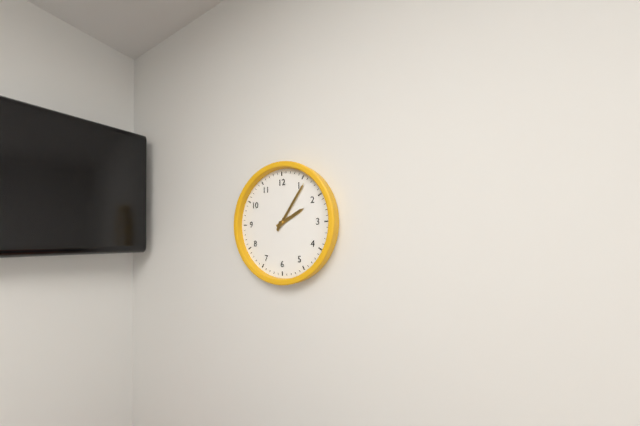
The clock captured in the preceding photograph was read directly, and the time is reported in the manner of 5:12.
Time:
2:06
